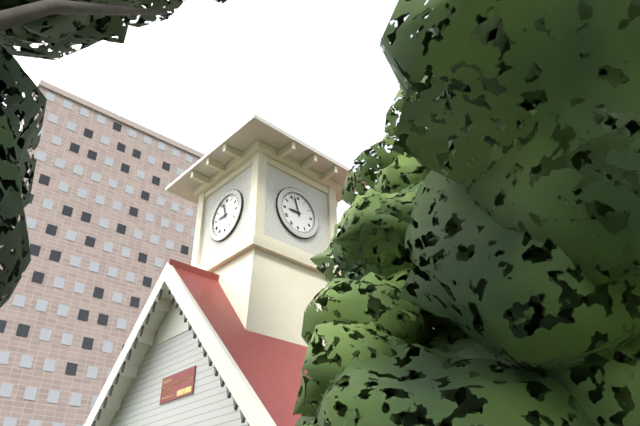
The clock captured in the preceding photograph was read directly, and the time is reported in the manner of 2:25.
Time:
8:57
